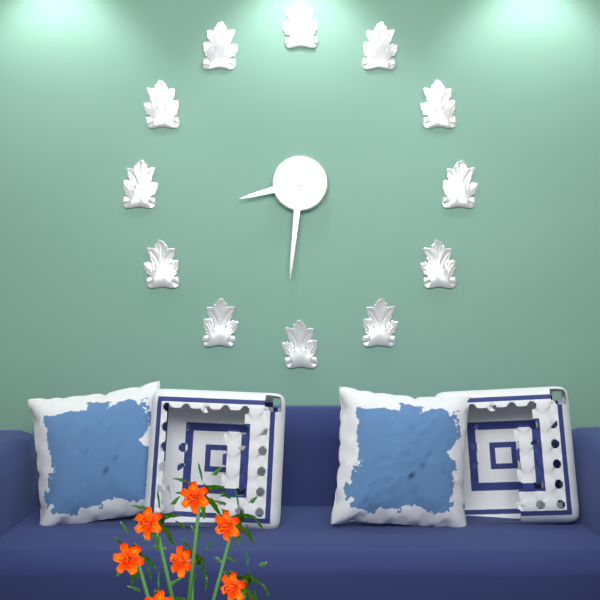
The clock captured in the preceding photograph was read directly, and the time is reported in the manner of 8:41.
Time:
8:31
